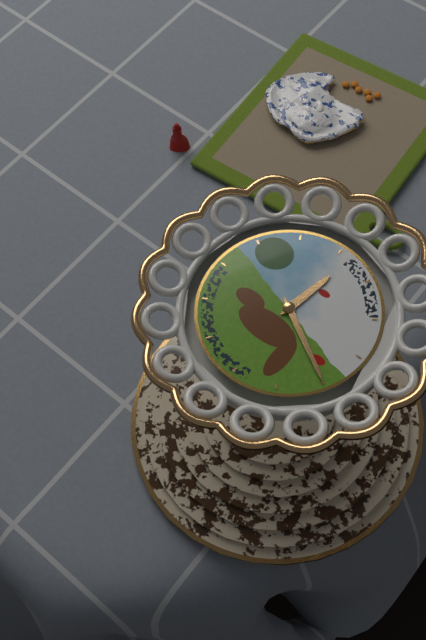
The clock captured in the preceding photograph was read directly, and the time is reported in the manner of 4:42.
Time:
12:20
